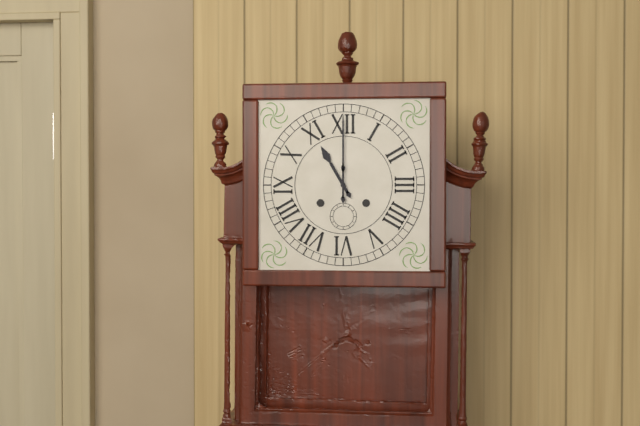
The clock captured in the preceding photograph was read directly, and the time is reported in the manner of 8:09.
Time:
11:00
